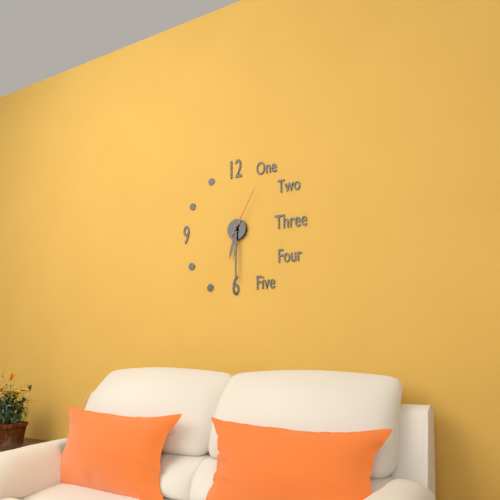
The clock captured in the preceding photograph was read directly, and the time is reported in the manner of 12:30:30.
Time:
6:30:05
